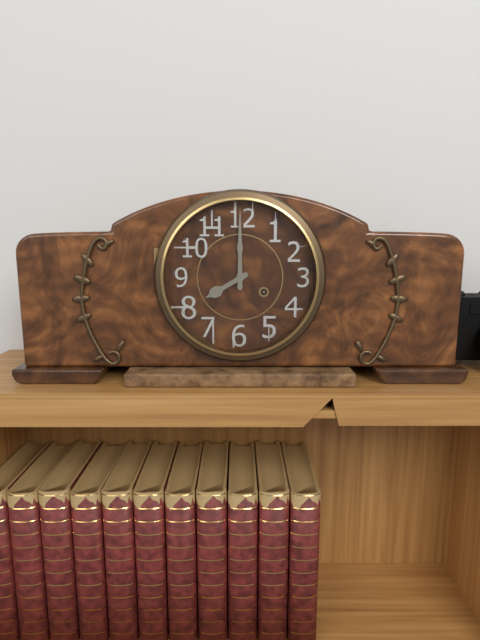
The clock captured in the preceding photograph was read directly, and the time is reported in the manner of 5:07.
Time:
8:00
